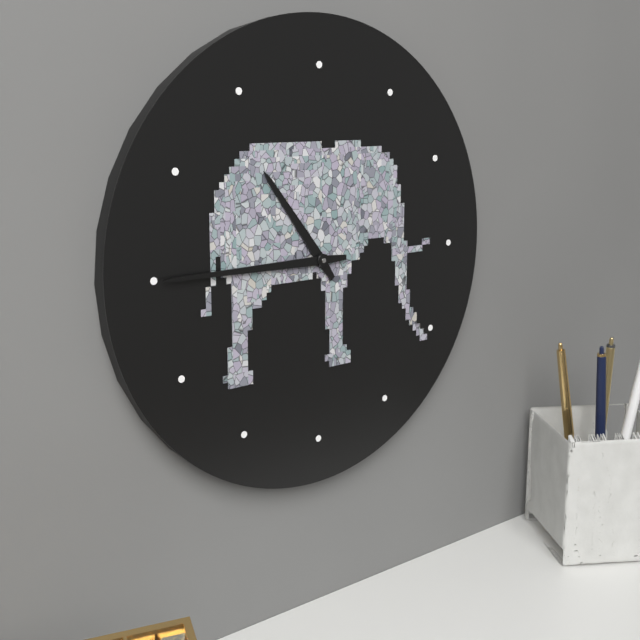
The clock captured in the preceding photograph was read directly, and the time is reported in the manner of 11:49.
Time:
10:45
